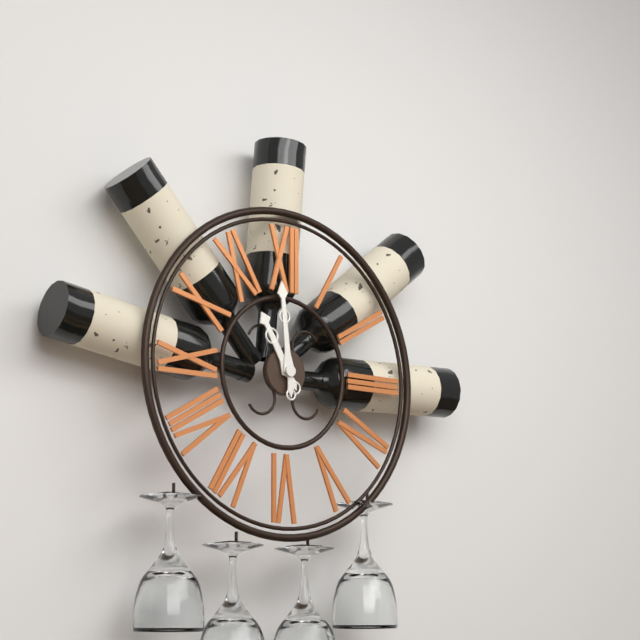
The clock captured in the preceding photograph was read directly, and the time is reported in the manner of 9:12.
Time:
10:59
